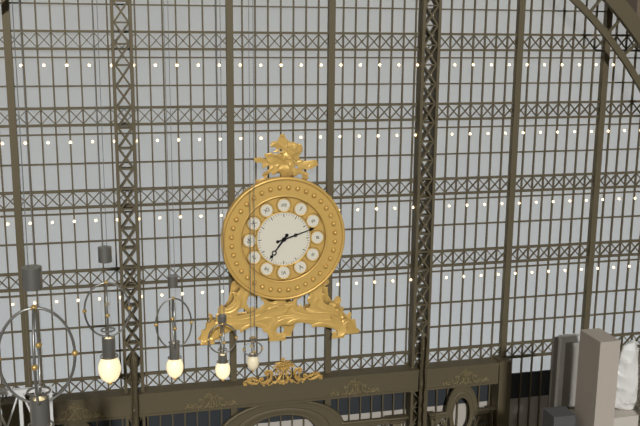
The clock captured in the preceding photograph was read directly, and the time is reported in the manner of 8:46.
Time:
7:12
